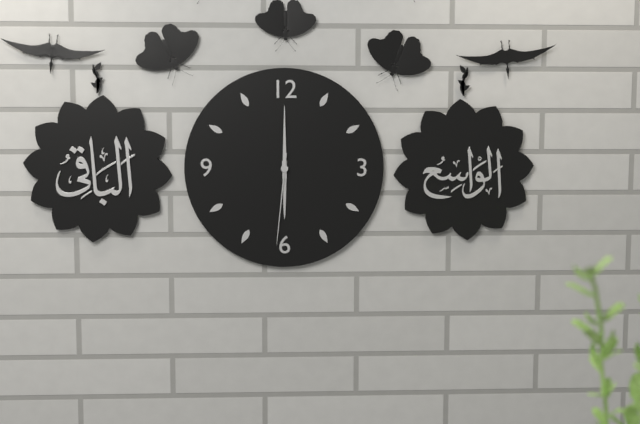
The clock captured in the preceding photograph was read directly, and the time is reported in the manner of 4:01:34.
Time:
6:00:31
